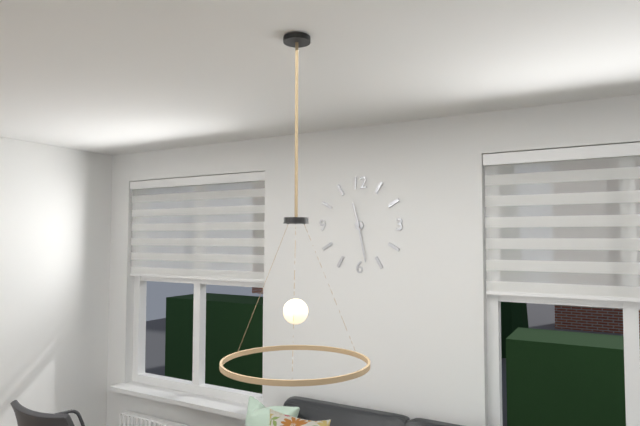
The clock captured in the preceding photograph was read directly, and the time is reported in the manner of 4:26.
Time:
11:28
